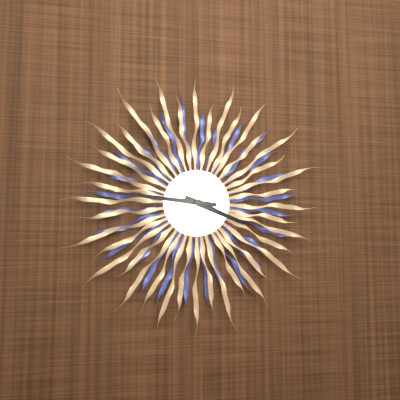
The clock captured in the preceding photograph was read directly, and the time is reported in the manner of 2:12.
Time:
3:46
